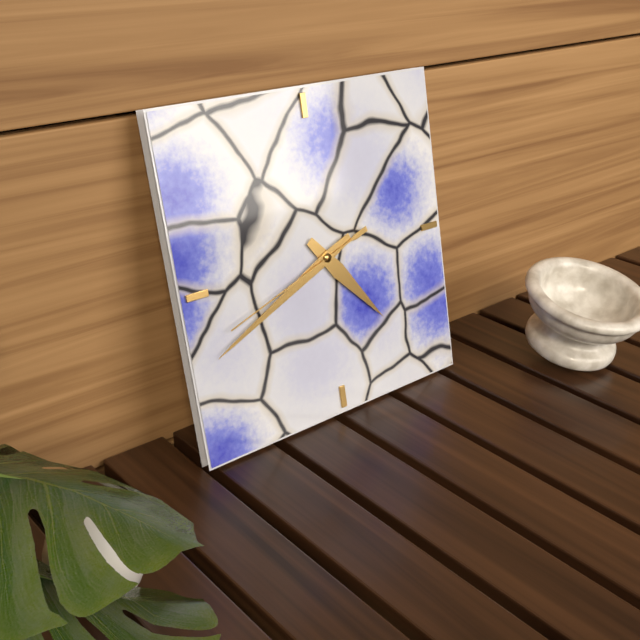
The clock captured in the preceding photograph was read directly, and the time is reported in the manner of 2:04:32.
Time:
4:41:42
